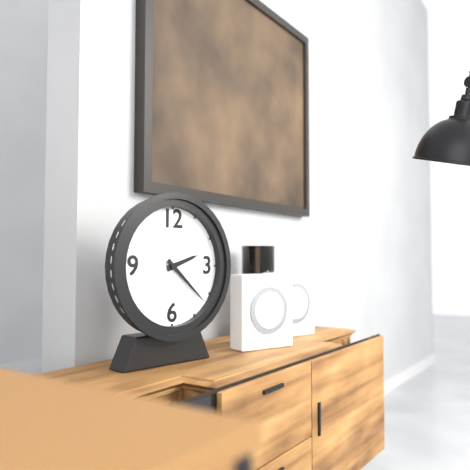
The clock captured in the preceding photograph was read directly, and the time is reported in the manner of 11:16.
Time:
2:22
